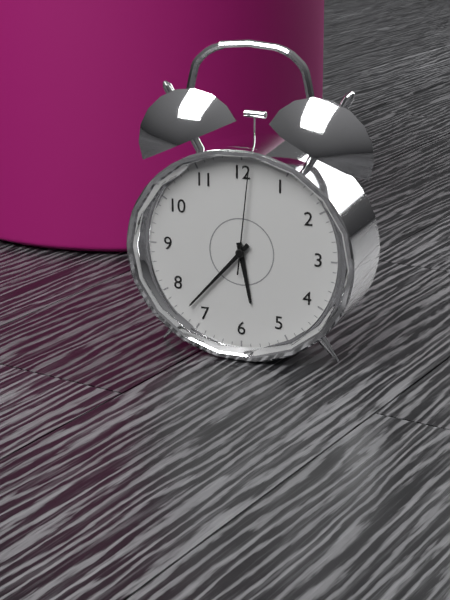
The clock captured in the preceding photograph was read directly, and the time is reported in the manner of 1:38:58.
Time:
5:37:01
